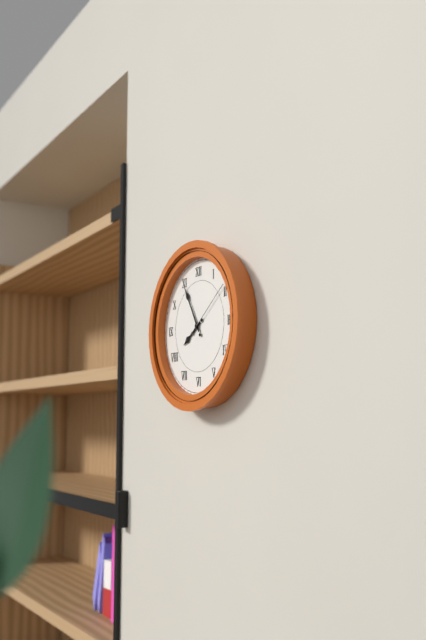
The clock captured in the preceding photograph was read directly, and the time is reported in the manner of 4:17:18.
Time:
7:55:09
